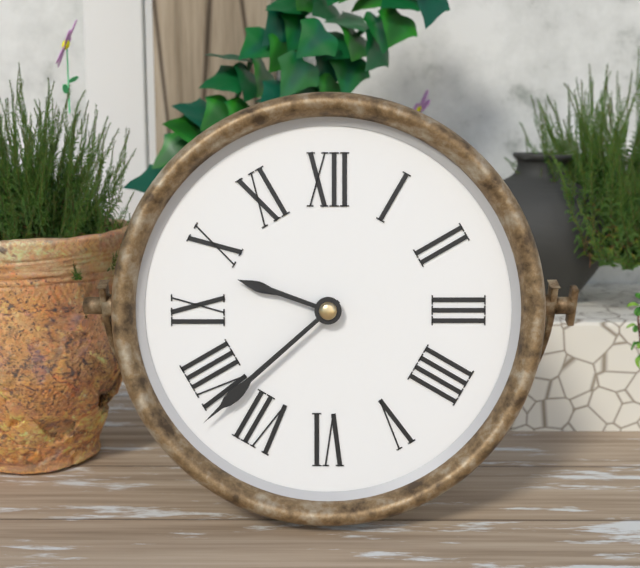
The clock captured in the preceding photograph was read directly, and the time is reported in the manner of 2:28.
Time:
9:38
